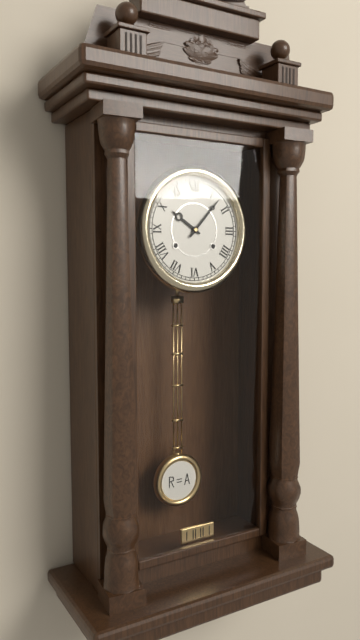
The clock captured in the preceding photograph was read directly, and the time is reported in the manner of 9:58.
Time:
10:07
